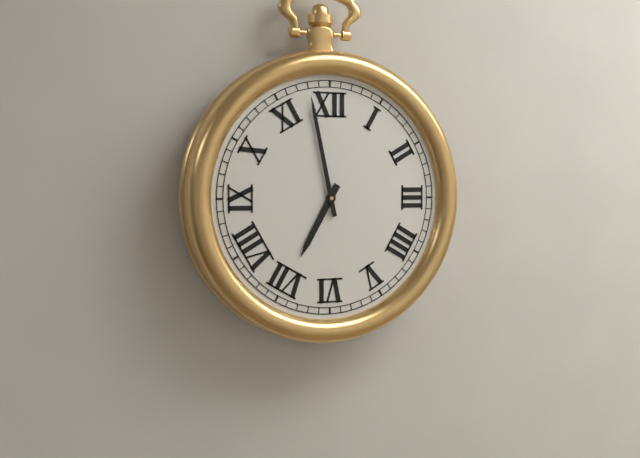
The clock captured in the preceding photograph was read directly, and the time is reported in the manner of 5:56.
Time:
6:58
